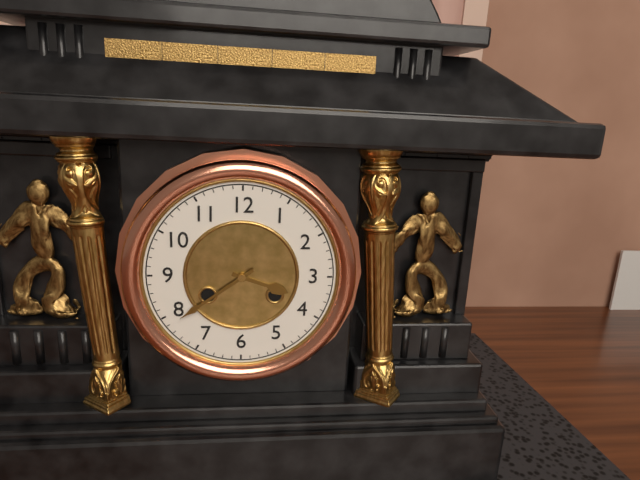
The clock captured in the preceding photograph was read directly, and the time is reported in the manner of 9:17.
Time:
3:39
